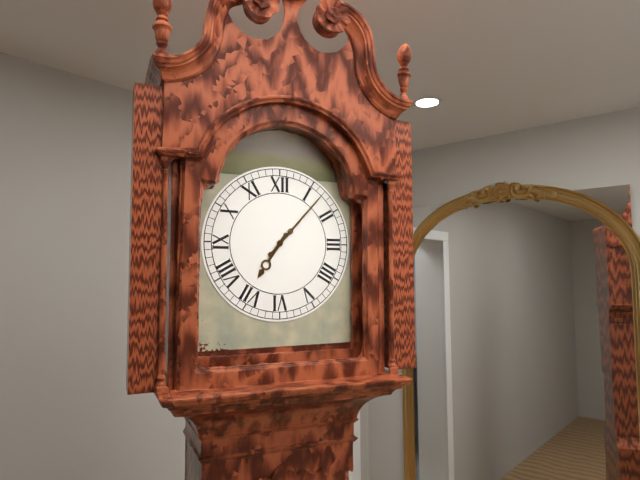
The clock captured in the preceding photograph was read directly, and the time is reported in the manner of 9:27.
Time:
7:07
